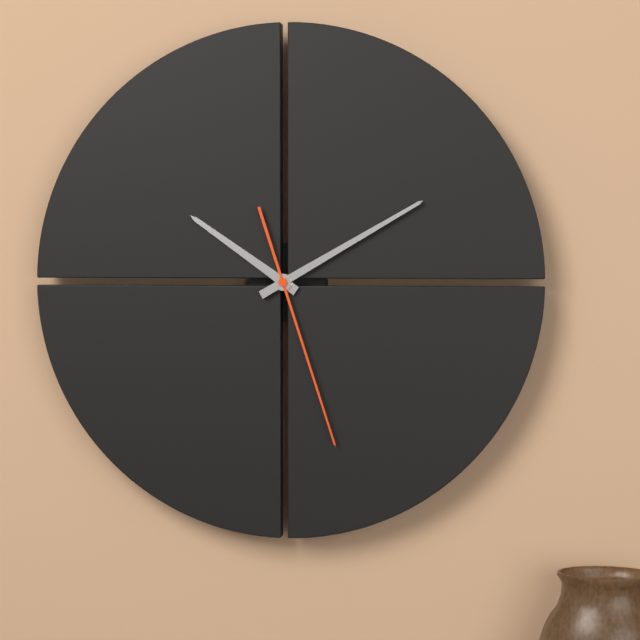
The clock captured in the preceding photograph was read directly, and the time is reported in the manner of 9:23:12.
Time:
10:10:27
